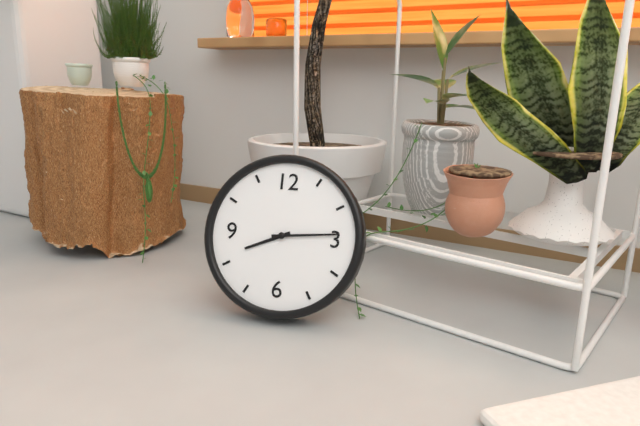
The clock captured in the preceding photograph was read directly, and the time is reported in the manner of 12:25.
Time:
8:14
